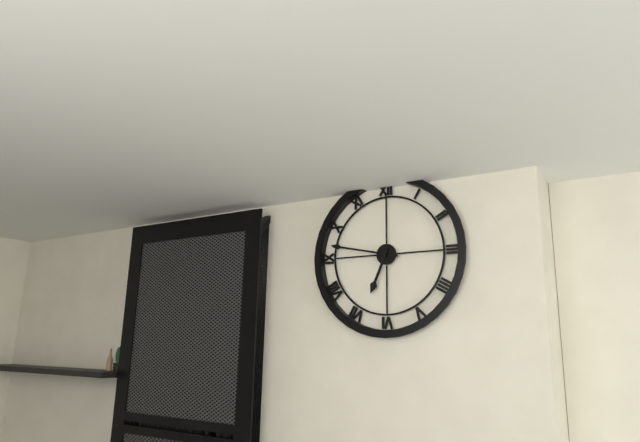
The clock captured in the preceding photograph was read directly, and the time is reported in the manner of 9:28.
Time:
6:47
